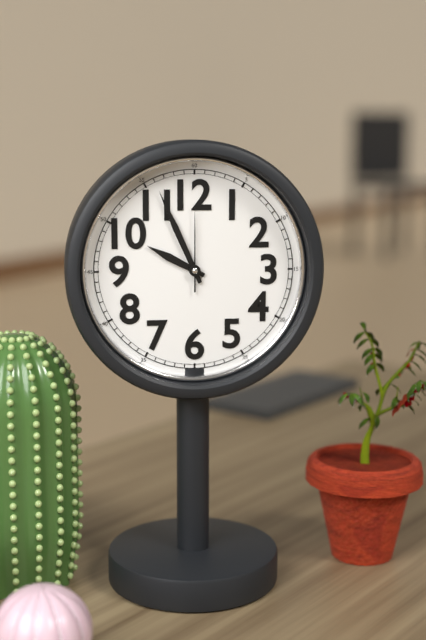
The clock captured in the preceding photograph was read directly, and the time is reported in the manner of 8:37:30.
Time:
9:56:00
